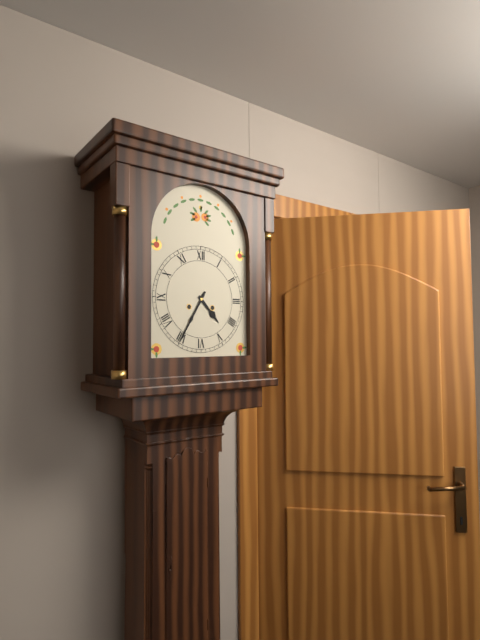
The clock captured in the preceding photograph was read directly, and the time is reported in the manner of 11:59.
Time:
4:35
